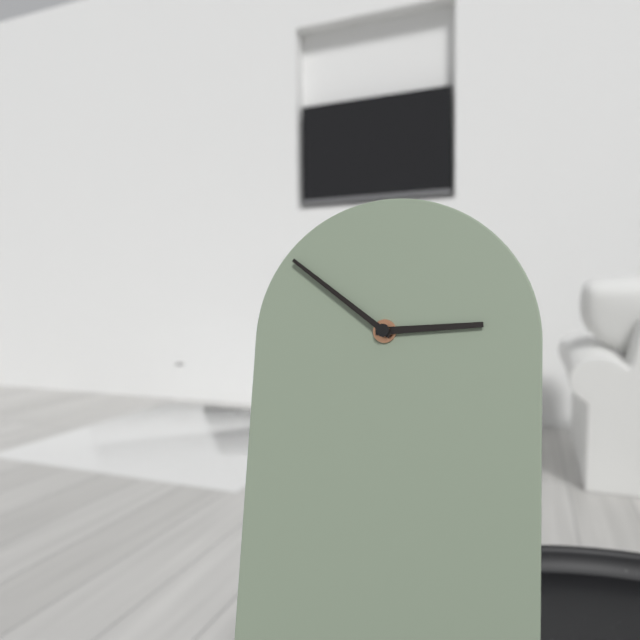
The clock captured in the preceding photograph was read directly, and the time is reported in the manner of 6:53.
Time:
2:51
